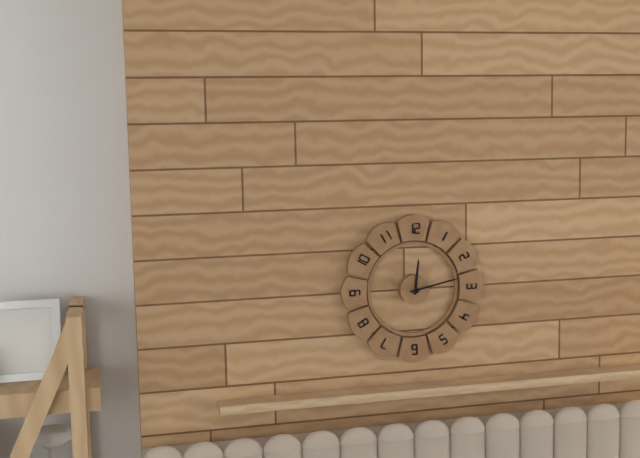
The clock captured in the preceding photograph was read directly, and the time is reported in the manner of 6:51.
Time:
12:13
